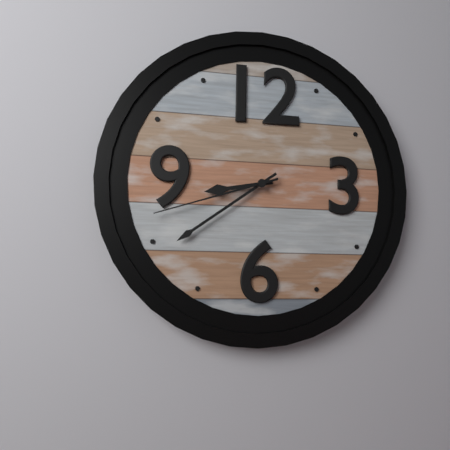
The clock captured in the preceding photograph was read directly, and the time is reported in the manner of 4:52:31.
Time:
8:39:42
